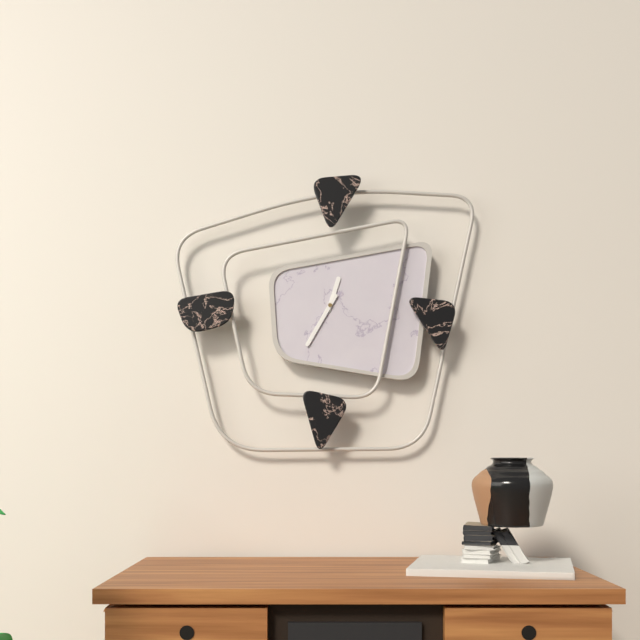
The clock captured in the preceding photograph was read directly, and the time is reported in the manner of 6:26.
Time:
12:35
